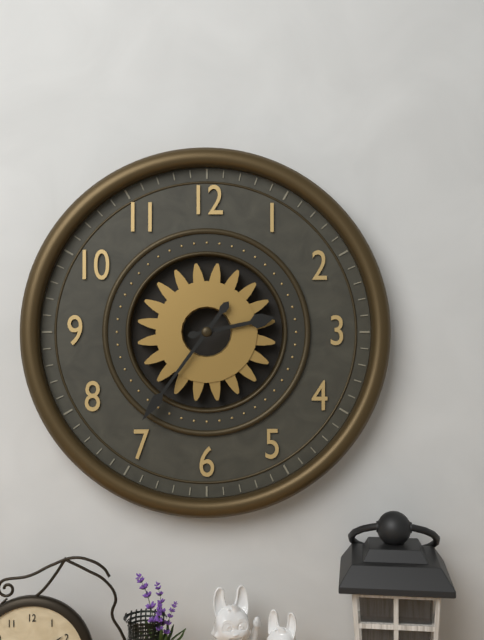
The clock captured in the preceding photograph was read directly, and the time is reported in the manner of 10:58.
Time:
2:36
